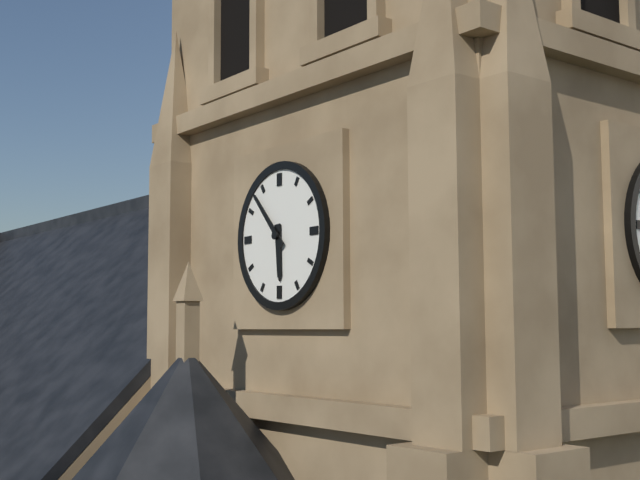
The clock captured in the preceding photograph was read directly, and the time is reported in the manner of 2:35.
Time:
5:53
